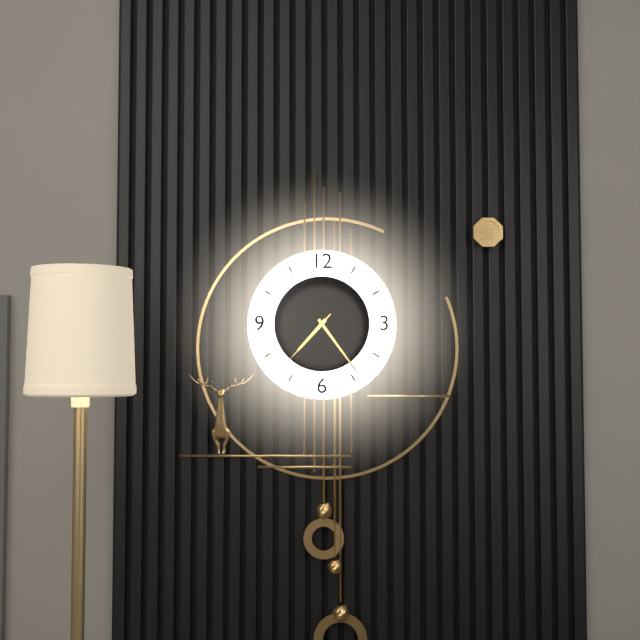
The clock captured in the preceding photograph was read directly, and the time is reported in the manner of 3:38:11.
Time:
7:24:37
